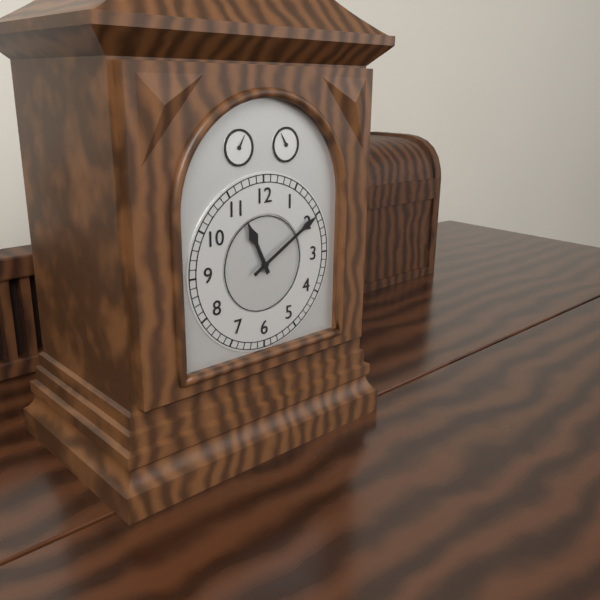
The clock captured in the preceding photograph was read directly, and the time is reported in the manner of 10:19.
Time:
11:10
